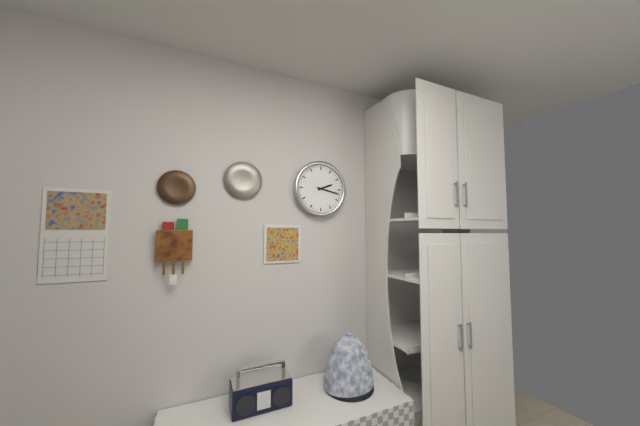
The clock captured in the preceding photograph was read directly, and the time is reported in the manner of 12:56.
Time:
2:17
